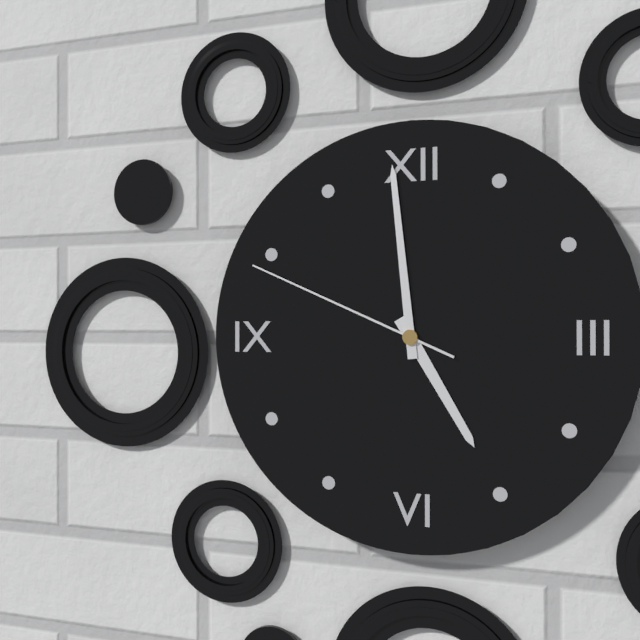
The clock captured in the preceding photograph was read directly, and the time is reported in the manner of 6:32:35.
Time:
4:59:49
